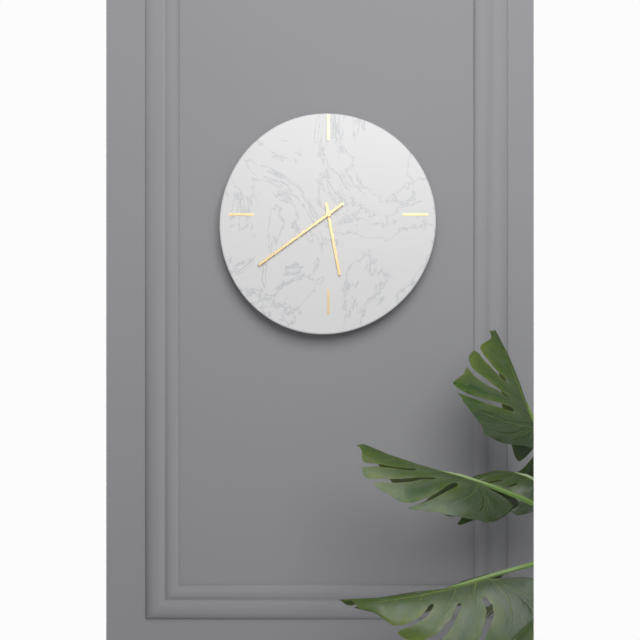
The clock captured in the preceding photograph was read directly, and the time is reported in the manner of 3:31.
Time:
5:39
